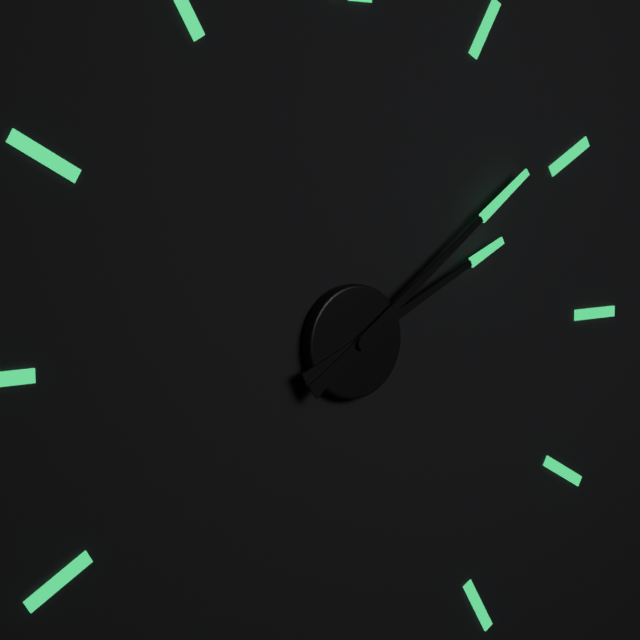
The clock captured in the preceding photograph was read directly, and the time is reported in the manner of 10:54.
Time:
2:09
